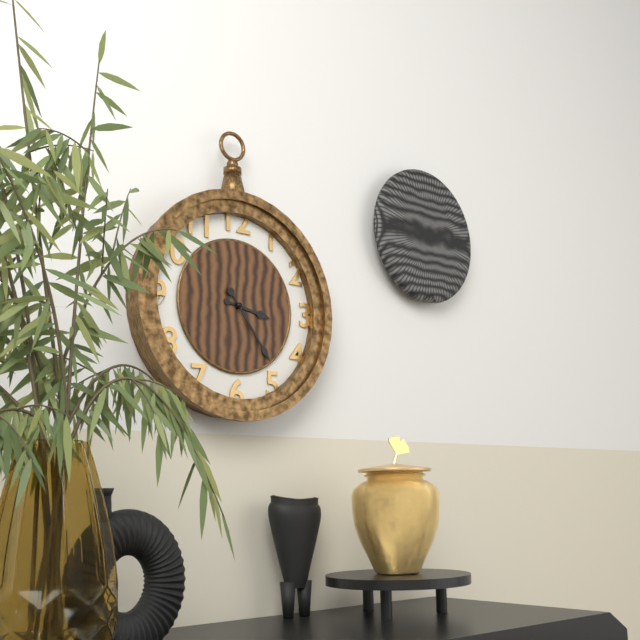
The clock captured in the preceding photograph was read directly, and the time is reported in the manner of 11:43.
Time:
3:24
